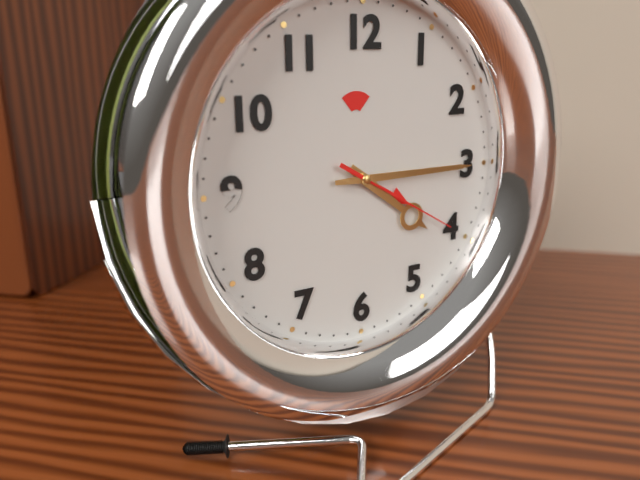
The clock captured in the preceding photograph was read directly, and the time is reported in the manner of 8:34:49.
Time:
4:15:20
